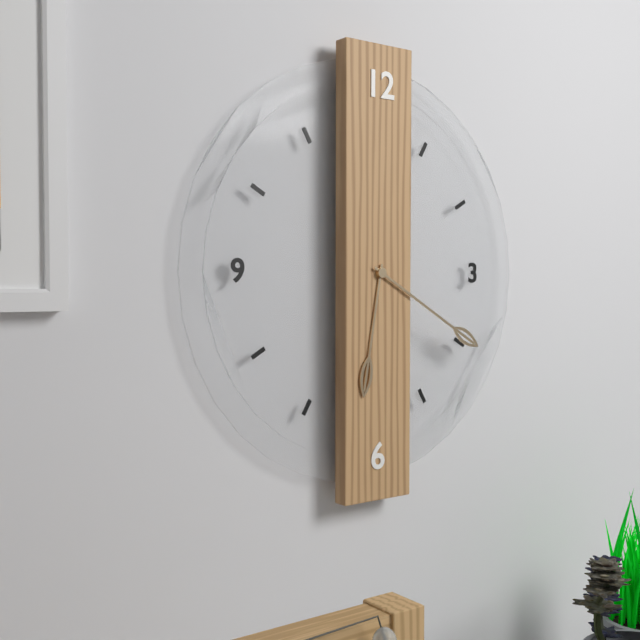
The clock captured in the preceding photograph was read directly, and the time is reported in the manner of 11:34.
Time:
6:20
